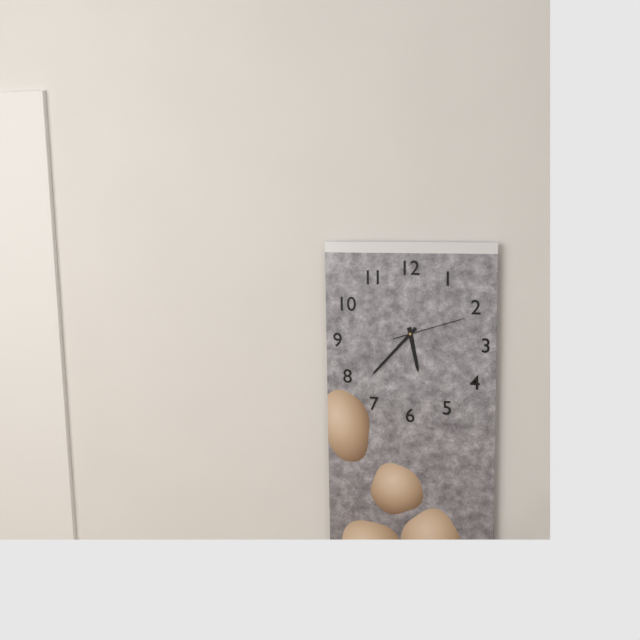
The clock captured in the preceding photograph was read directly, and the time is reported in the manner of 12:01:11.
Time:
5:37:12
